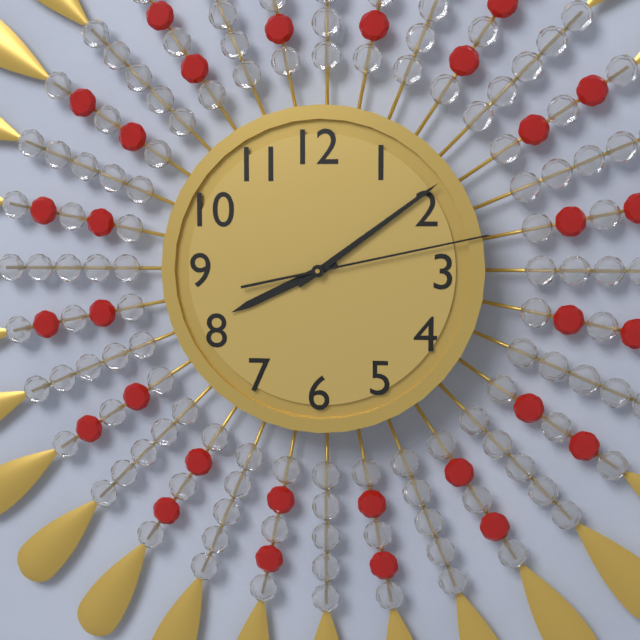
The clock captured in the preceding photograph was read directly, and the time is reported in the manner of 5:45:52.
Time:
8:09:13
